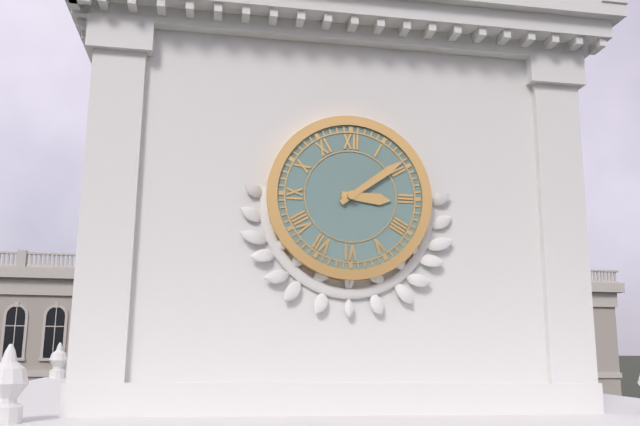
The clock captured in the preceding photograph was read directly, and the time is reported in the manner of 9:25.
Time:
3:09
